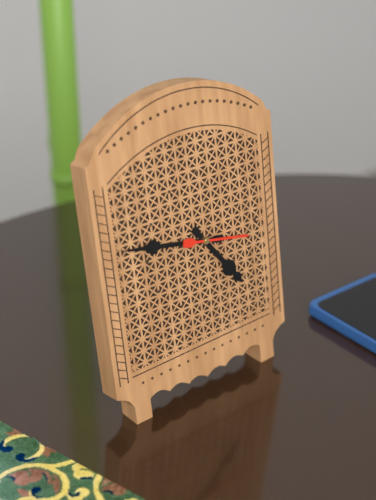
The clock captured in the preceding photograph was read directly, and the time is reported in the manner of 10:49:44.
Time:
4:47:17
